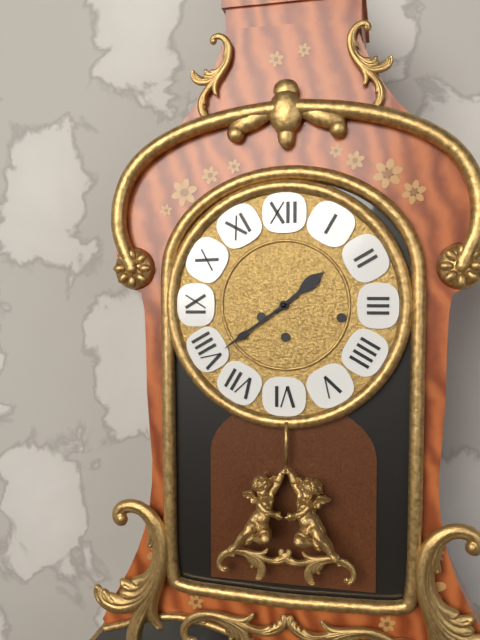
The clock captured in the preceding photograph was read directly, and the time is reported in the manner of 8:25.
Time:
1:39
